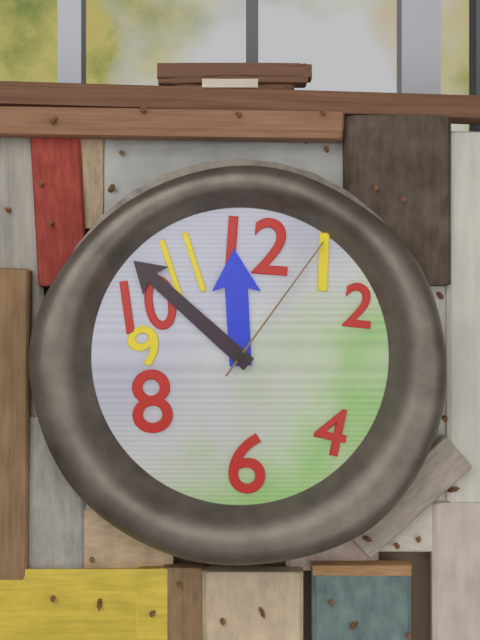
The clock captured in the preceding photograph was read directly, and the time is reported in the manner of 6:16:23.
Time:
11:52:06
